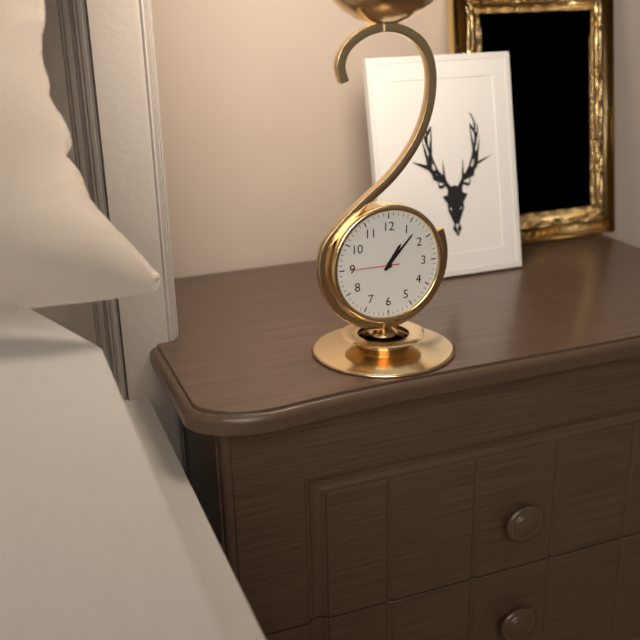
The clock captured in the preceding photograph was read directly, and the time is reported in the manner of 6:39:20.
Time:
1:07:45
